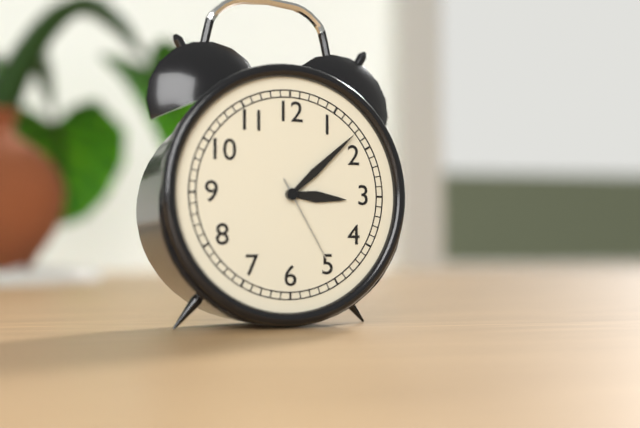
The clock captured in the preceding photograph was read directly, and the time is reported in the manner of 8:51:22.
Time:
3:08:25
